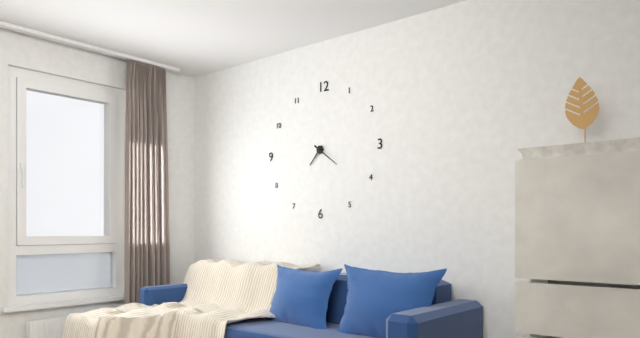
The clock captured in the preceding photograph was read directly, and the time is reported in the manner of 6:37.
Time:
7:21
